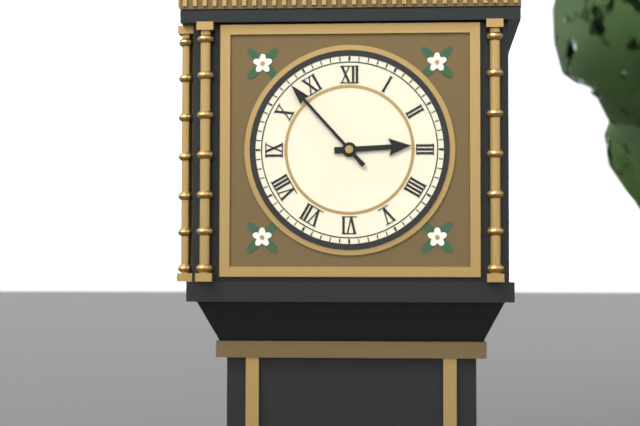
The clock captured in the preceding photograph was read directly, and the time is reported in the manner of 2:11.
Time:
2:53
